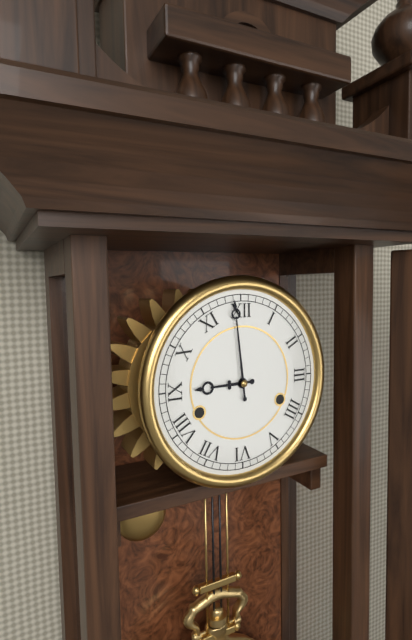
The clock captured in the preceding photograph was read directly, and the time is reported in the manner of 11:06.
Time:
8:59
